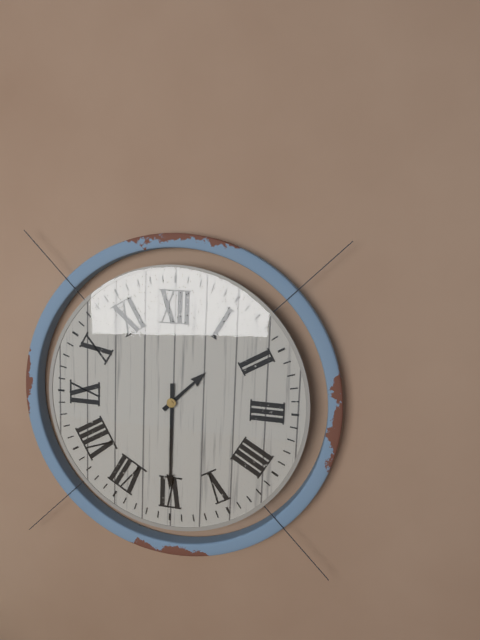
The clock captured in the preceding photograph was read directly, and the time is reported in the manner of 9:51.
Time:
1:30
